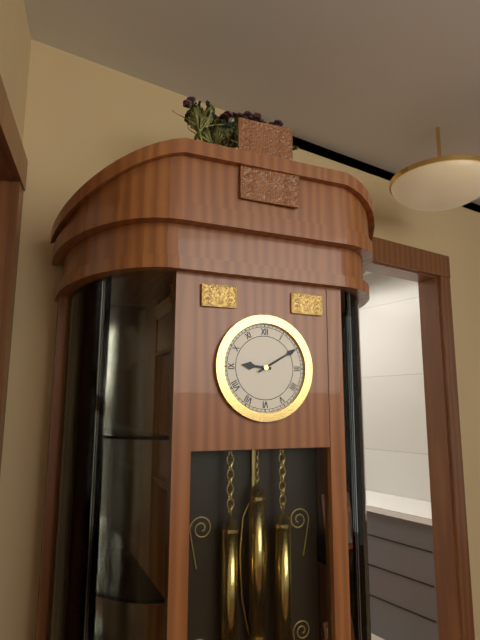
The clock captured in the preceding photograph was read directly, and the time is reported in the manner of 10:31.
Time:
9:10
